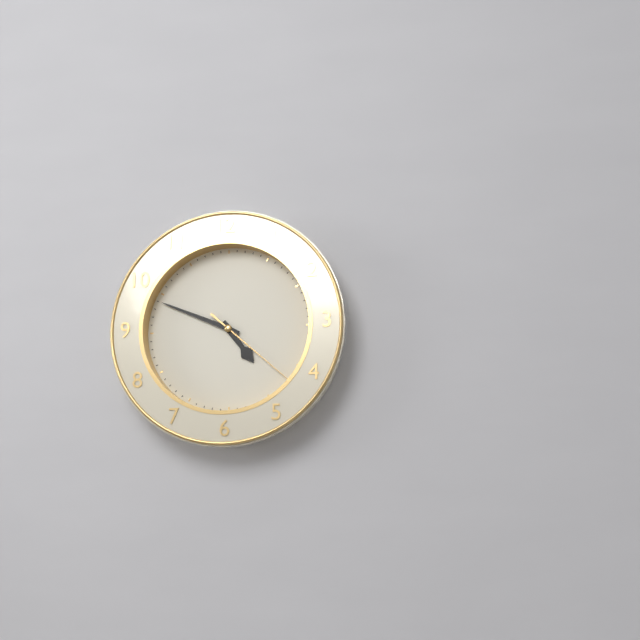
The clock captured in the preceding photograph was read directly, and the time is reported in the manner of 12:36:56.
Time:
4:49:22
